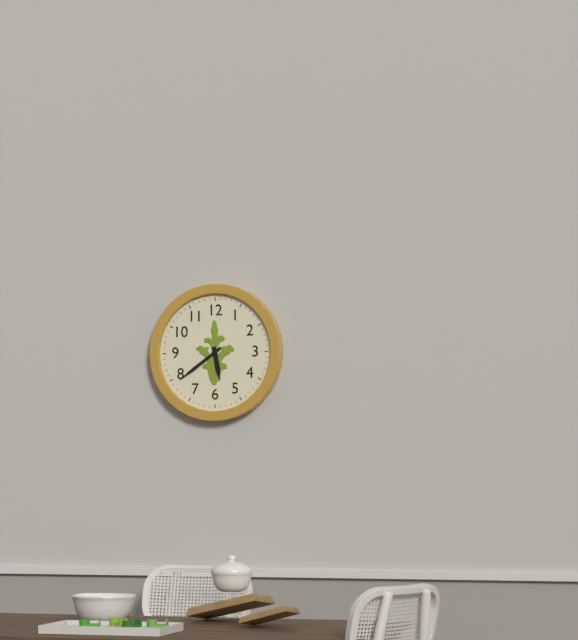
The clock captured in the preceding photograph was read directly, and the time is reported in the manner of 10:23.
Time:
5:39
